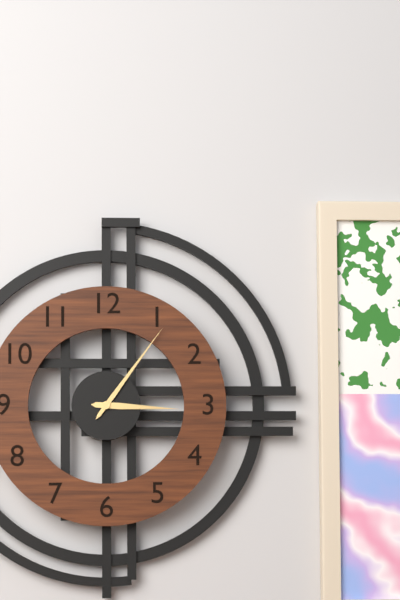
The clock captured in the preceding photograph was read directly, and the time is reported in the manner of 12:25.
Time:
3:06
